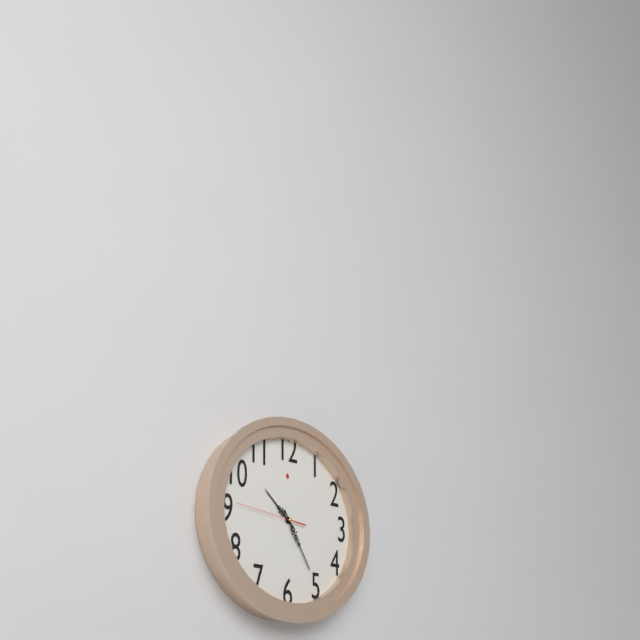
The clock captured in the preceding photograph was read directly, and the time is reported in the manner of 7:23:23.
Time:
10:25:46
